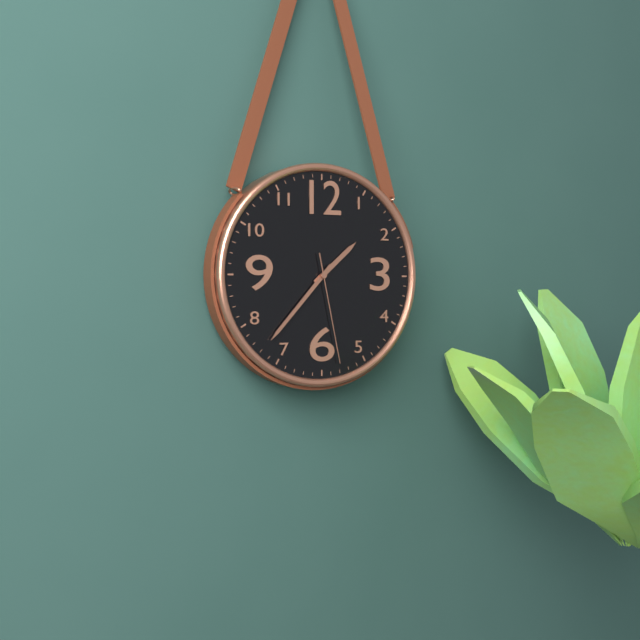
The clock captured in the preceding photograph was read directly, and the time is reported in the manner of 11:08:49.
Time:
1:37:28
